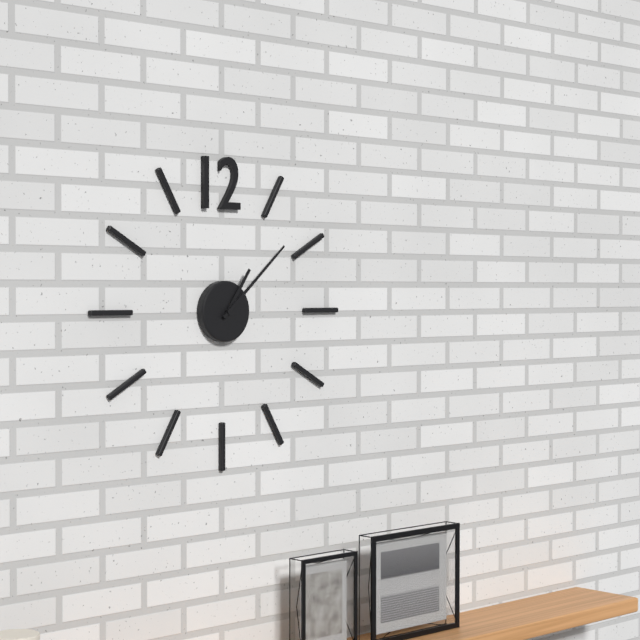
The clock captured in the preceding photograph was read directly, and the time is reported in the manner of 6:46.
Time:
1:08
